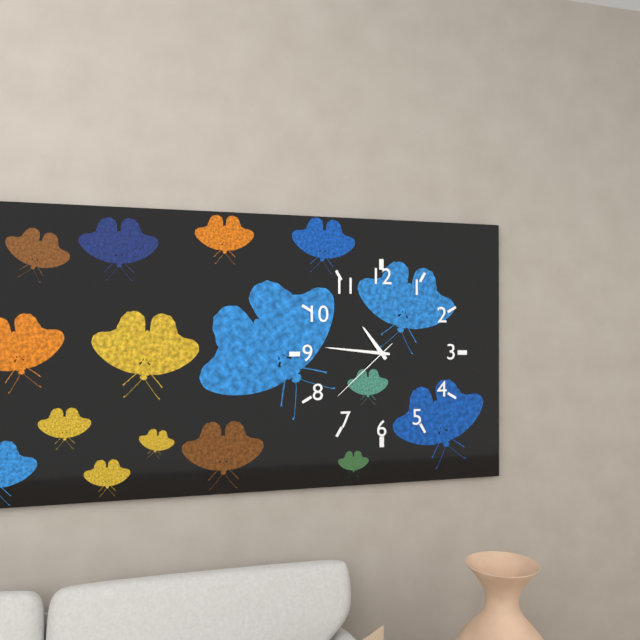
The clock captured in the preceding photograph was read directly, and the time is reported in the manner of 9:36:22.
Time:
10:46:38
